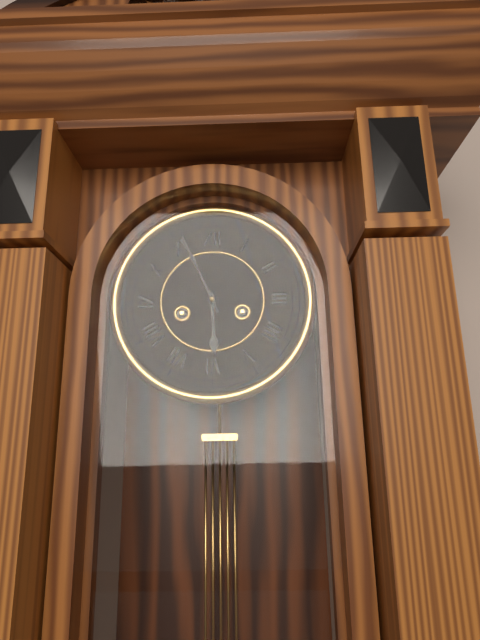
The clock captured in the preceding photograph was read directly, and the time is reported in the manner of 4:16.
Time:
5:56
